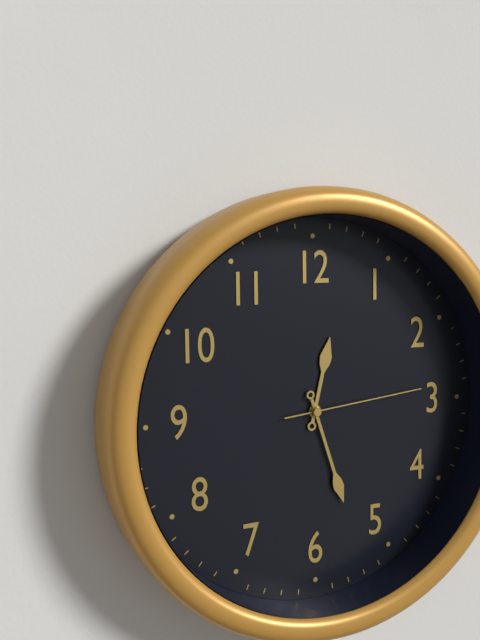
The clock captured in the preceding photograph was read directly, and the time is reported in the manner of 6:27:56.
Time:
12:27:14
